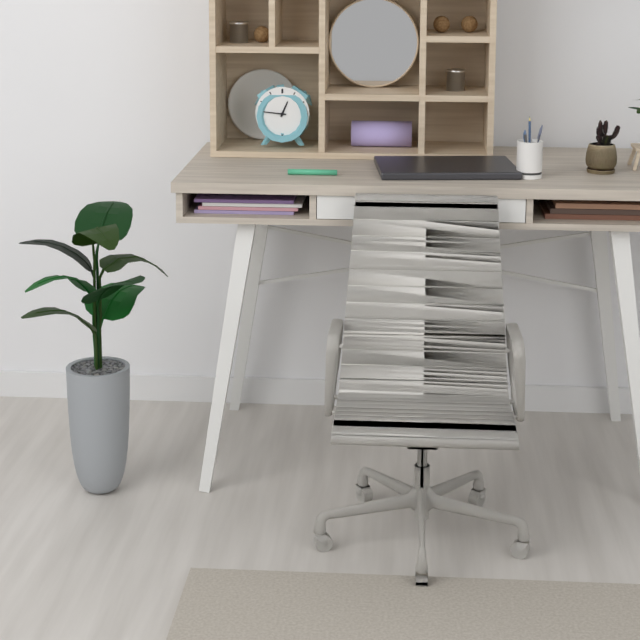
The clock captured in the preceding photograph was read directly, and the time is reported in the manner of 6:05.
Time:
12:46
